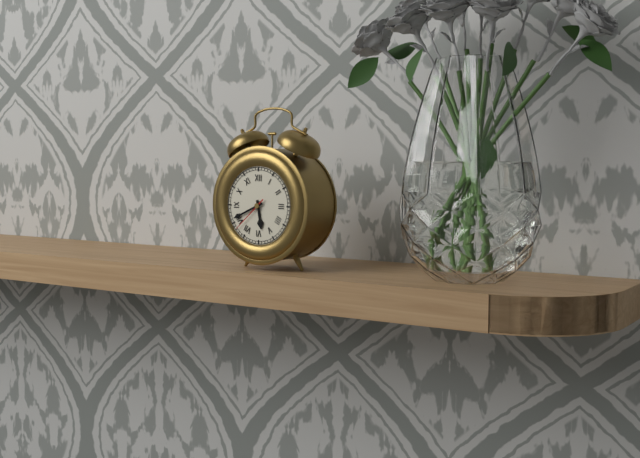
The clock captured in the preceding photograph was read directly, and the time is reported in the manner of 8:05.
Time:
5:41
